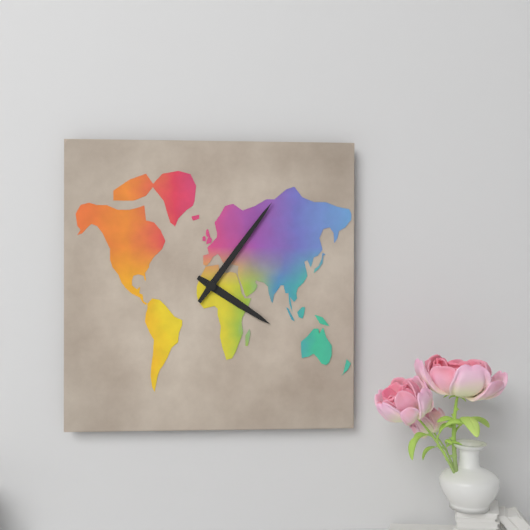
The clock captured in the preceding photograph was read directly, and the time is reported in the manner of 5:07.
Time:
4:06
